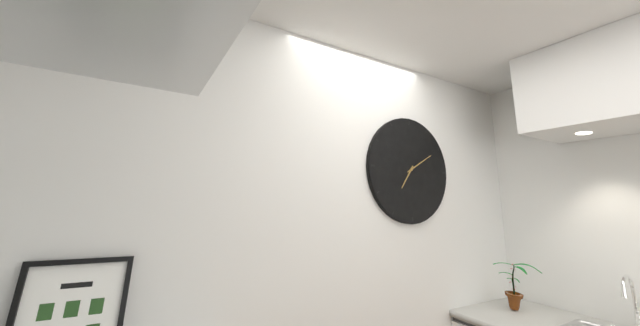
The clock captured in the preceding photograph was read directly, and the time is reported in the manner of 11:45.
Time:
7:10
